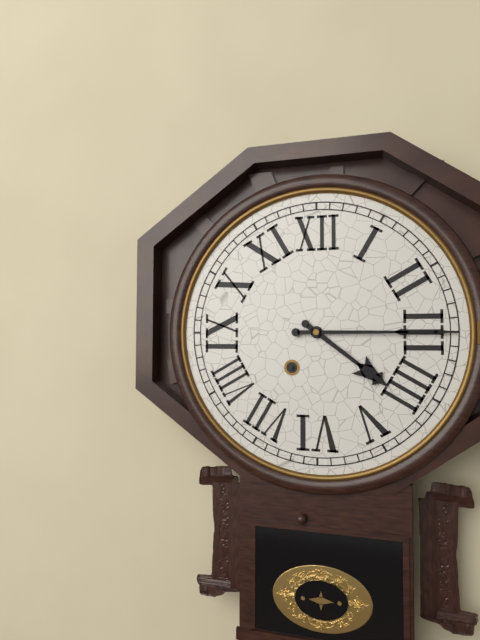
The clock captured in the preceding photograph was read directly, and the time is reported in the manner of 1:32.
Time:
4:15
